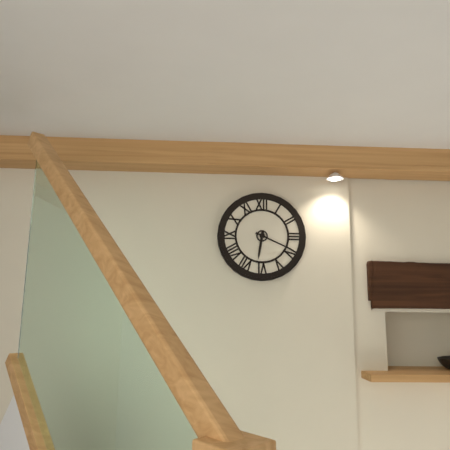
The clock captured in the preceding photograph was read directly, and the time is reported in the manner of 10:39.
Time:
6:19
